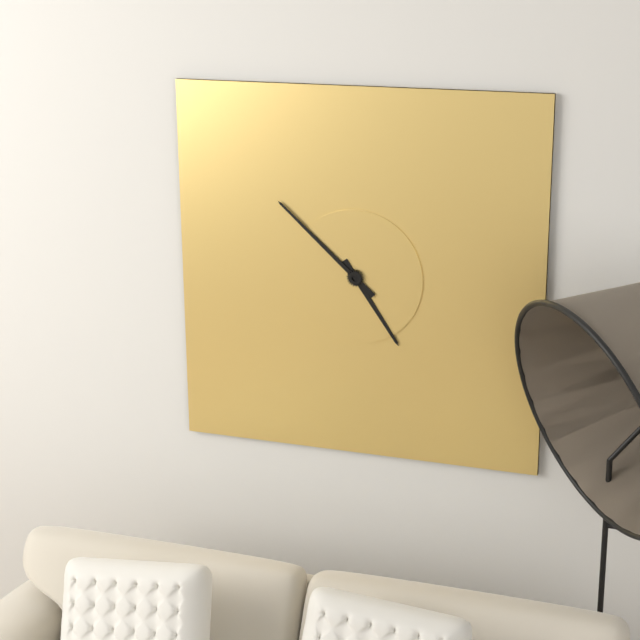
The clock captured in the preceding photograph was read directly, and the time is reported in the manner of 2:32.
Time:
4:52
